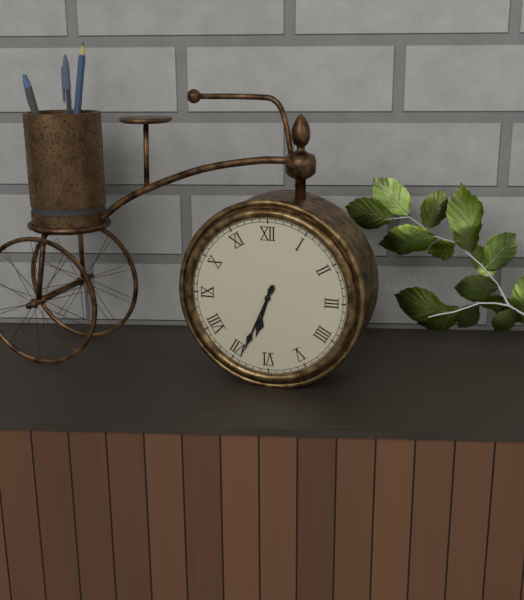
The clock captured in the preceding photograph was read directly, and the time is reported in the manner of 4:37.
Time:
6:34
